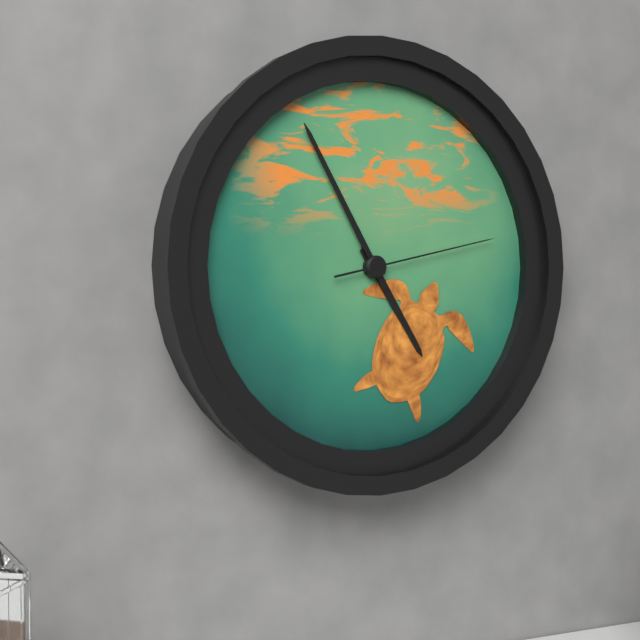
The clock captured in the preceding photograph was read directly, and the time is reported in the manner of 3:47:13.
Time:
4:55:13
